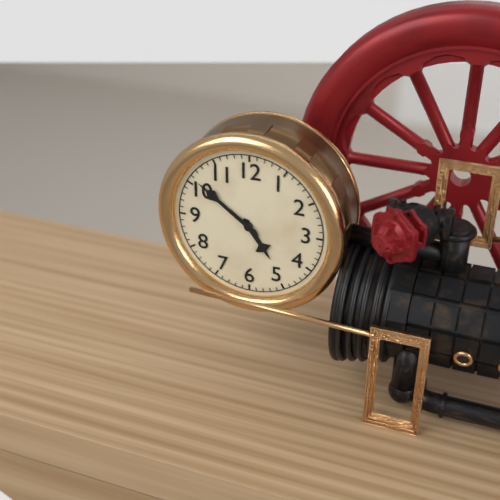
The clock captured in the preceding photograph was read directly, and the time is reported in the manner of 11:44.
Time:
4:51
